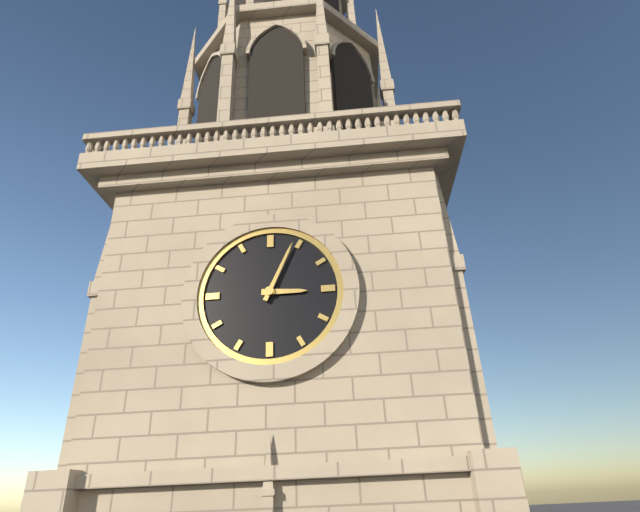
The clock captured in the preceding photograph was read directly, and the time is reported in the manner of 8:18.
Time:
3:04
